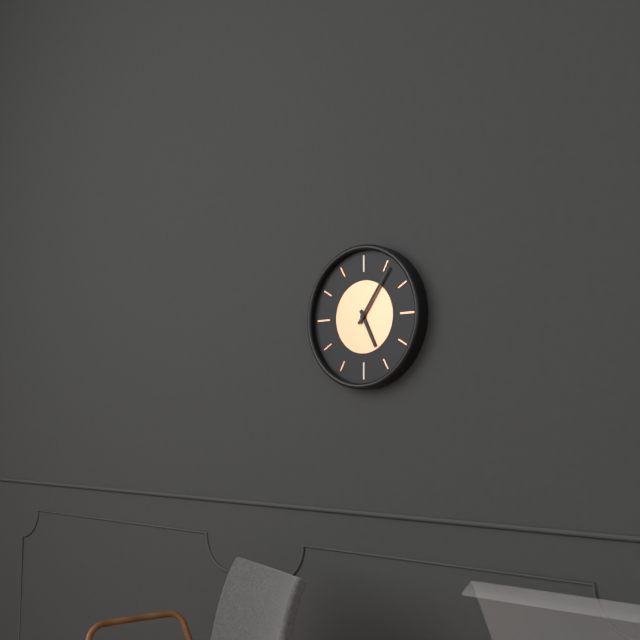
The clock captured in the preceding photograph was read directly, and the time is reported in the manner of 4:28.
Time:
5:06
